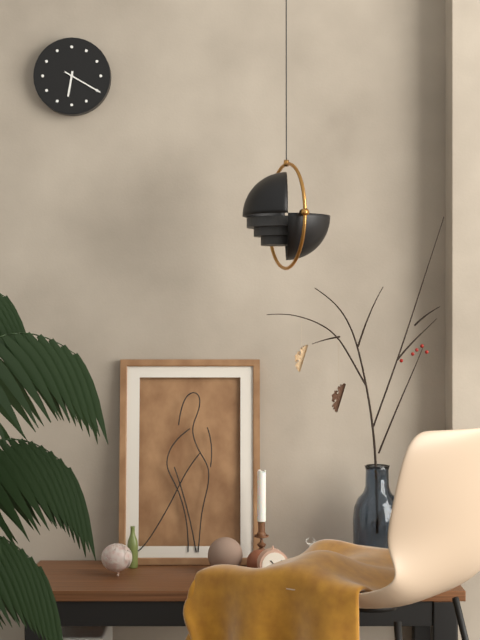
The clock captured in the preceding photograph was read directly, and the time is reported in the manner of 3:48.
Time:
6:20
